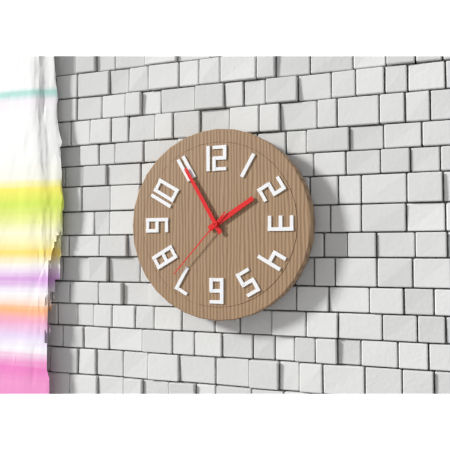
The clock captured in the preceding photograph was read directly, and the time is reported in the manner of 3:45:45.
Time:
1:55:37
